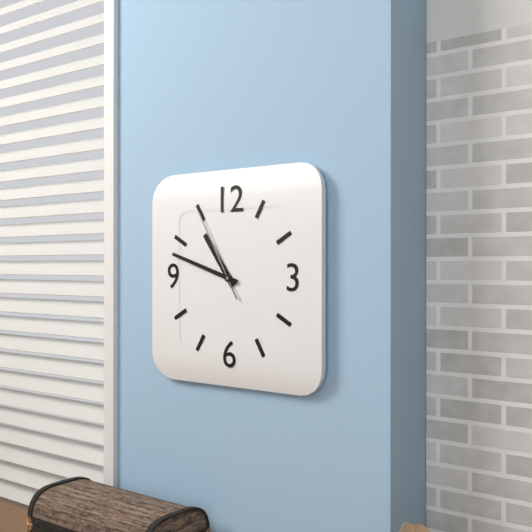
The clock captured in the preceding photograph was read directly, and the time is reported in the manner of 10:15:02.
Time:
10:48:55
